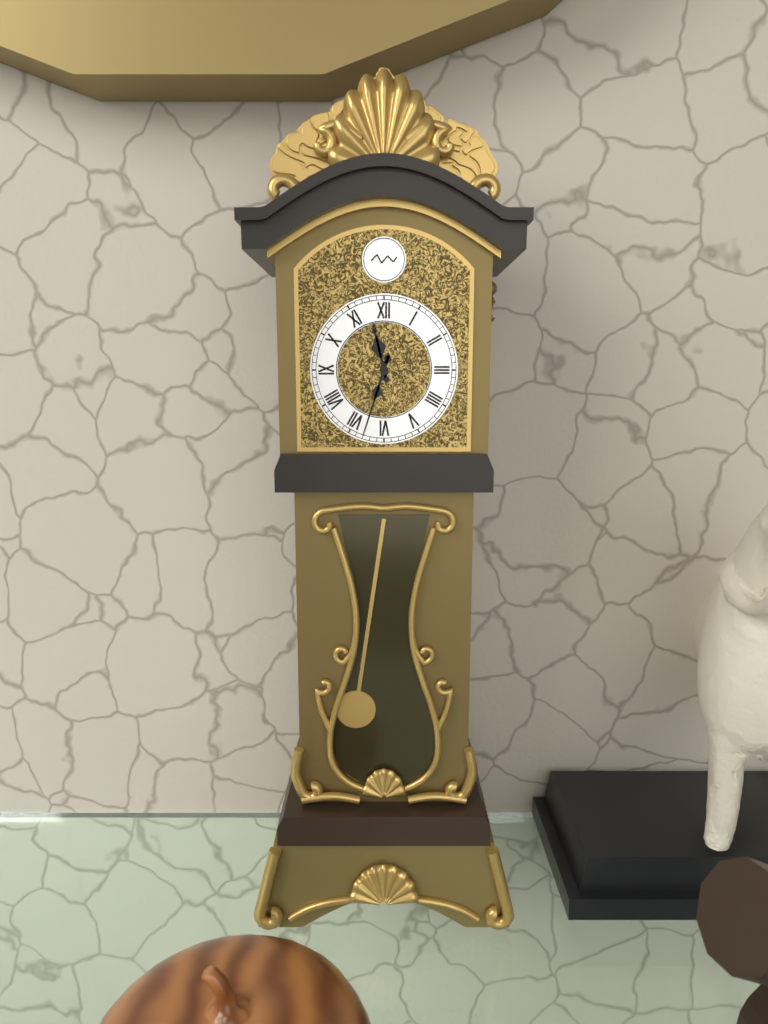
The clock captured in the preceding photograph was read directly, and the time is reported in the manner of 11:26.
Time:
11:33
